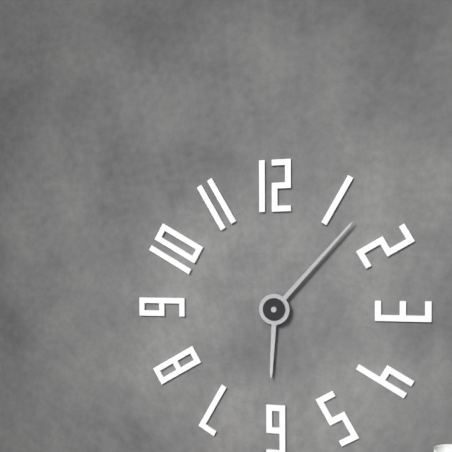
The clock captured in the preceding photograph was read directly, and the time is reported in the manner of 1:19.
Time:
6:07
